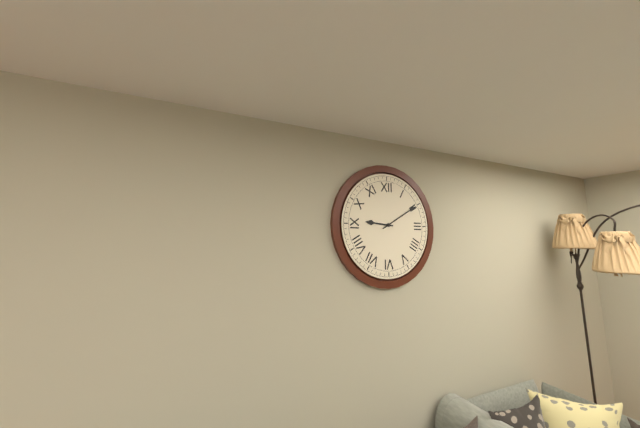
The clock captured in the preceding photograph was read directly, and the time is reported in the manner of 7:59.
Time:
9:10
